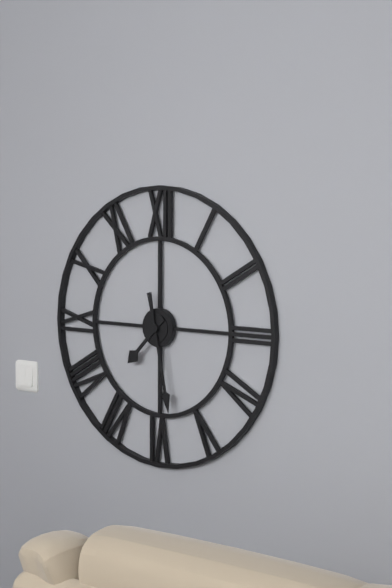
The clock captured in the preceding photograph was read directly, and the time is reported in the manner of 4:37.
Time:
7:28
